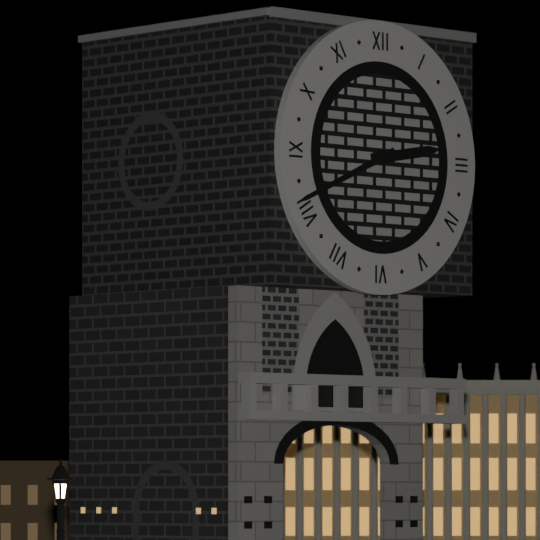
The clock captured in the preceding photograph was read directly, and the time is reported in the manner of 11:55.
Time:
2:41
